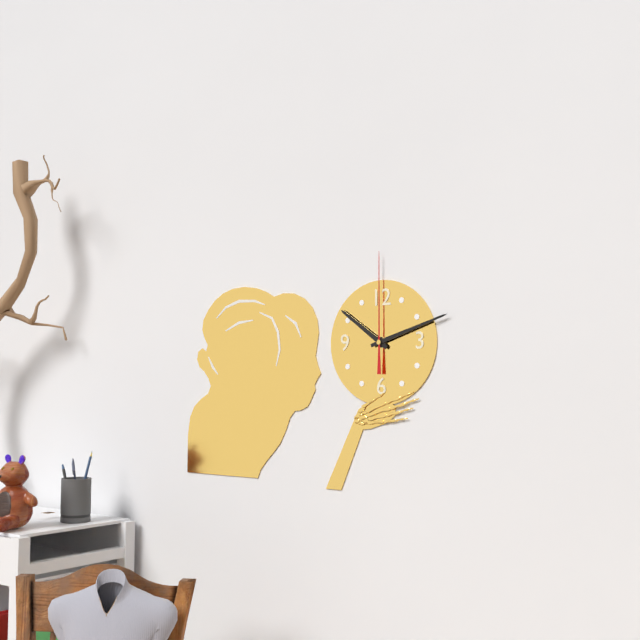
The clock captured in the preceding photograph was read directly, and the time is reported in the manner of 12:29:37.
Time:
10:12:00
